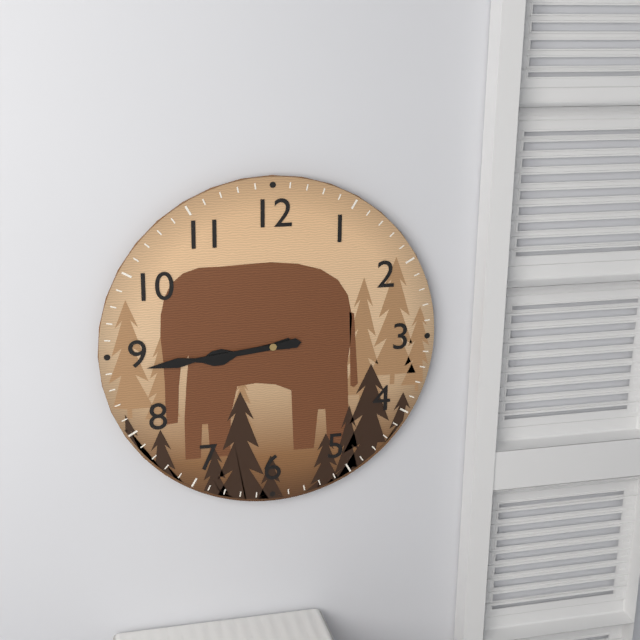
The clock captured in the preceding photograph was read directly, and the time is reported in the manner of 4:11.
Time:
8:44
